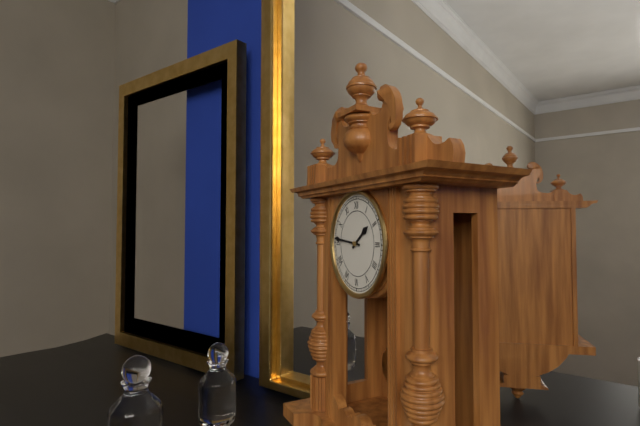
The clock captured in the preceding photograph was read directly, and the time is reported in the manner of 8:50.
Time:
1:46
